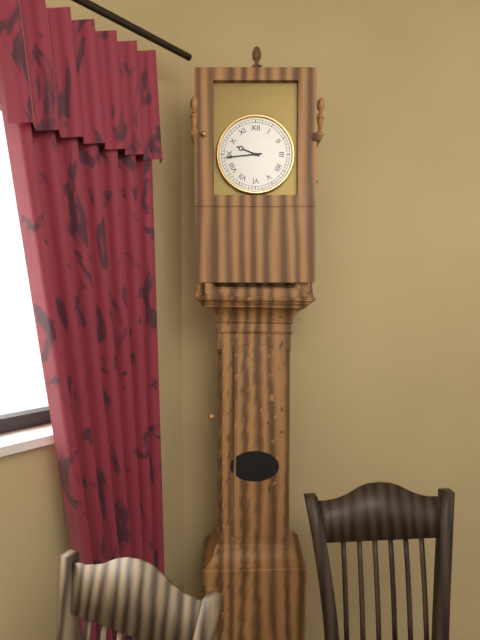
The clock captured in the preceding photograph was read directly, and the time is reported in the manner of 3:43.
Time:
9:44
